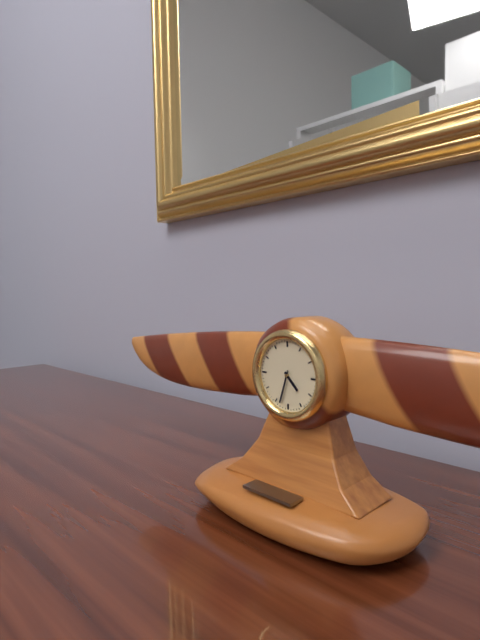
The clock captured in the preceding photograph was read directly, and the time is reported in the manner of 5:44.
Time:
4:33
